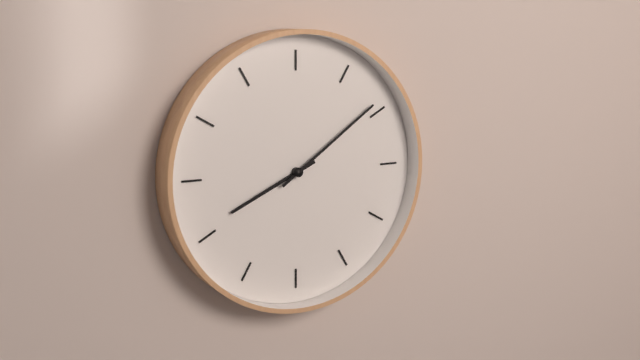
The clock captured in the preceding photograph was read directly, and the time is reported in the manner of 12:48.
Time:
8:09
